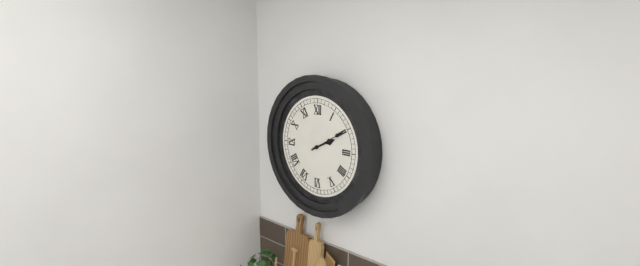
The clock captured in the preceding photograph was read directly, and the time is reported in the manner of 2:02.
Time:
2:10
